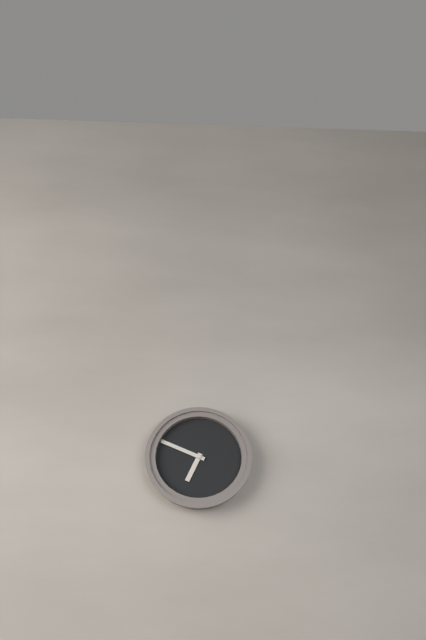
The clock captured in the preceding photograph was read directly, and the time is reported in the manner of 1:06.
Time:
6:49
